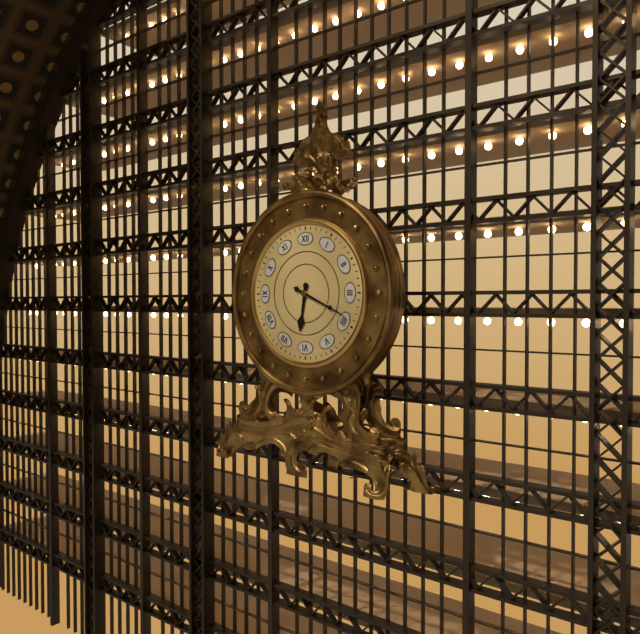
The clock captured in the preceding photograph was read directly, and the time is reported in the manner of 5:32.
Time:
6:19
